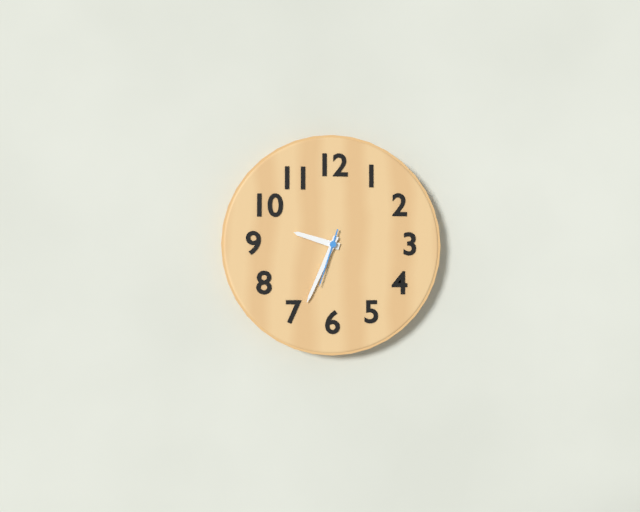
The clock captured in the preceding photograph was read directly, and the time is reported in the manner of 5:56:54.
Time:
9:34:33
